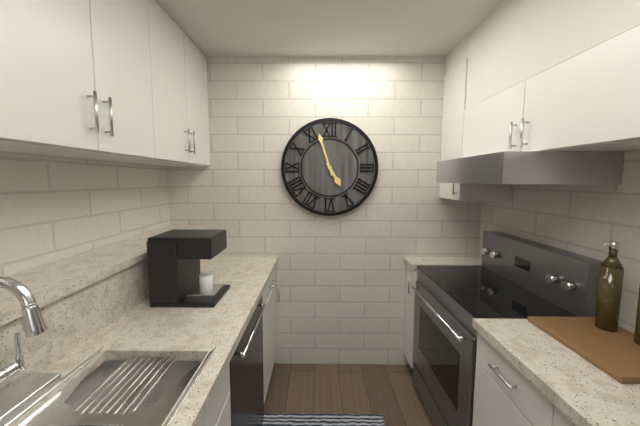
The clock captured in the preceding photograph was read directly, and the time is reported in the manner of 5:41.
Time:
4:57
